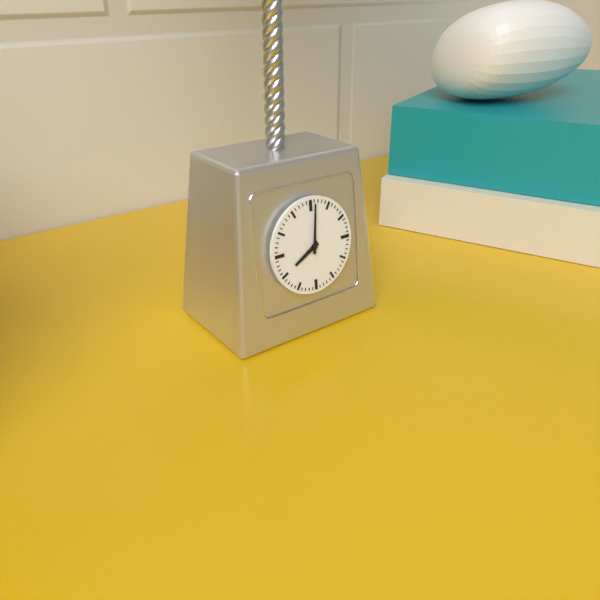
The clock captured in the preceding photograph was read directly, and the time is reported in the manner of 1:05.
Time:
8:01
